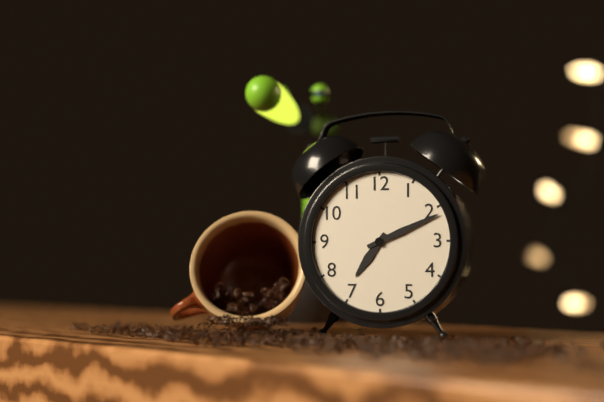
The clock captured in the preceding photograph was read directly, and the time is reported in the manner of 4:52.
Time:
7:11
